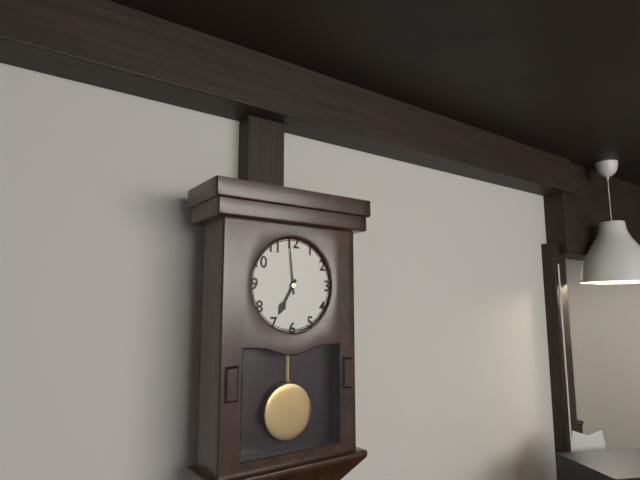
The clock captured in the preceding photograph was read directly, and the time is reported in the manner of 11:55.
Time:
6:59
